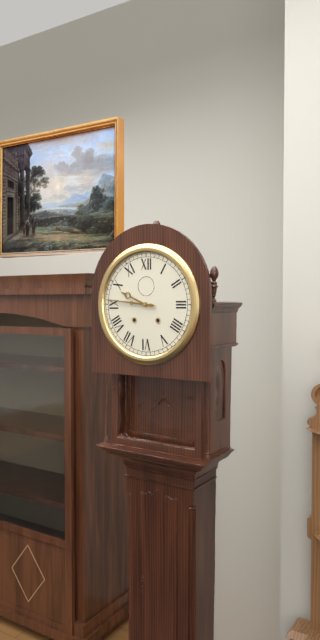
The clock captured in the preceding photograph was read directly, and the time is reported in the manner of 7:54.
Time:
9:46
